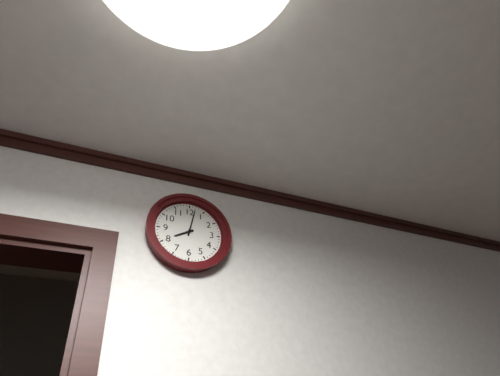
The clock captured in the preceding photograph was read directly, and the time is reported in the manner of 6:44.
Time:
8:02
